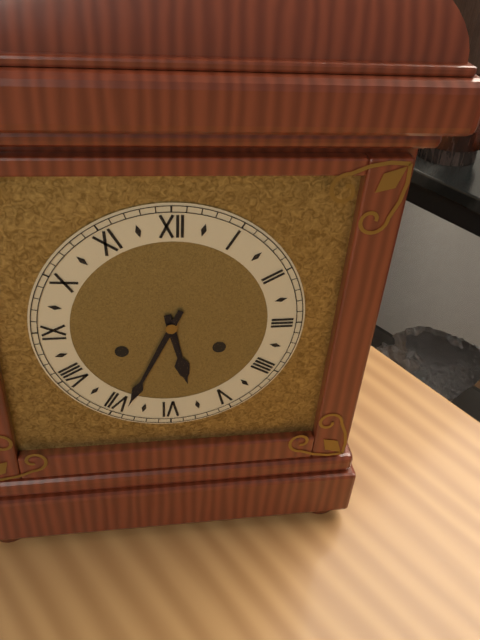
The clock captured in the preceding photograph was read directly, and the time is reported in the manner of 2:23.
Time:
5:34
